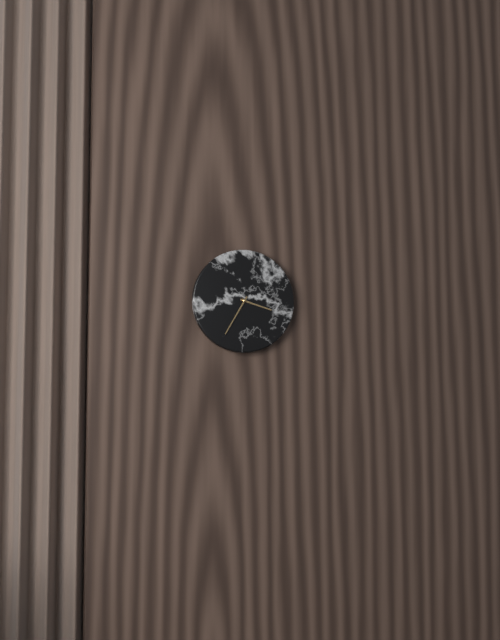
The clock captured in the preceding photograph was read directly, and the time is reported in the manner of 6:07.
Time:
3:35
